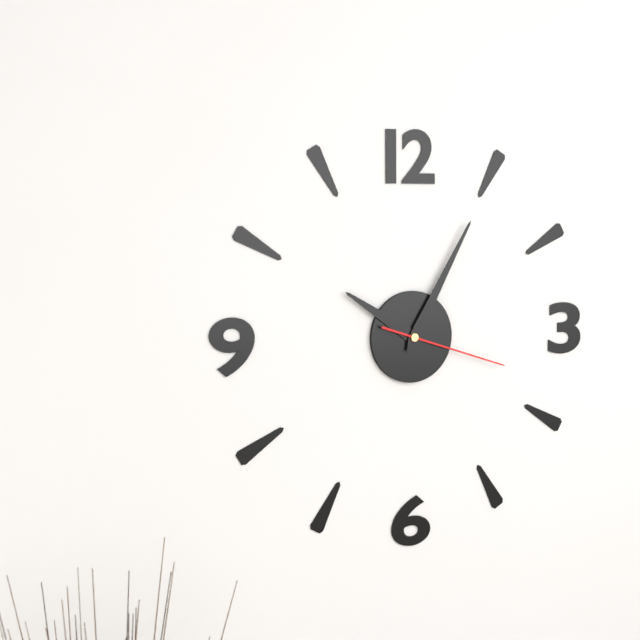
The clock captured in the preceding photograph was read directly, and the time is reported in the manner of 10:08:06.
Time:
10:05:18
